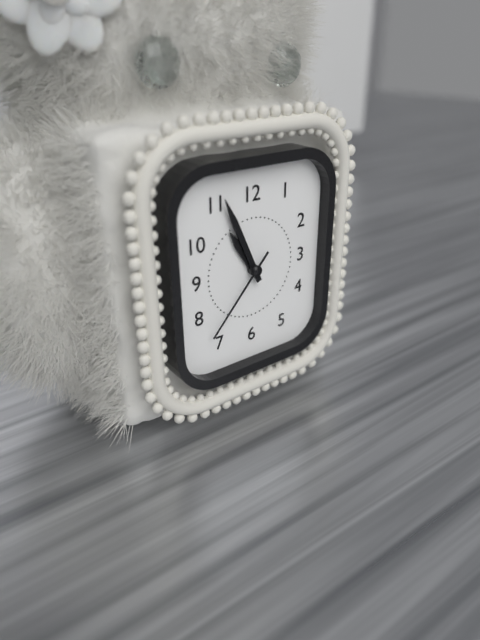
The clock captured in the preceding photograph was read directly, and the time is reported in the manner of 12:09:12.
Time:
10:56:37
